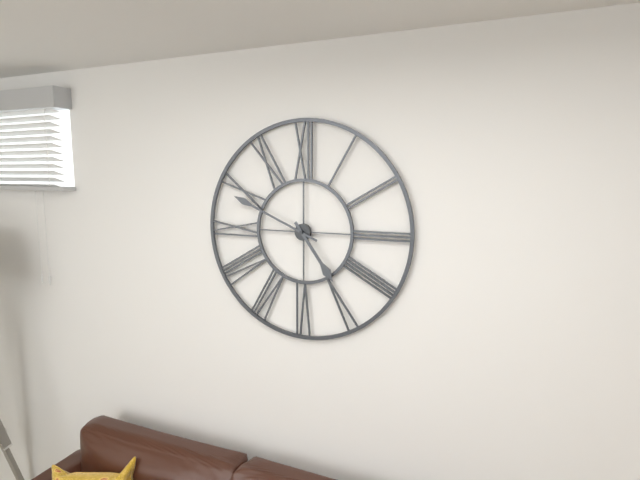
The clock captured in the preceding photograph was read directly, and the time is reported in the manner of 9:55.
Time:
4:49
